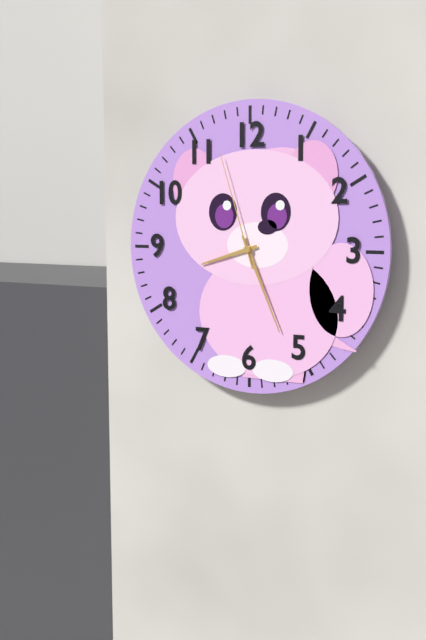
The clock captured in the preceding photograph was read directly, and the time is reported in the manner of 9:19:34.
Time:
8:26:57
